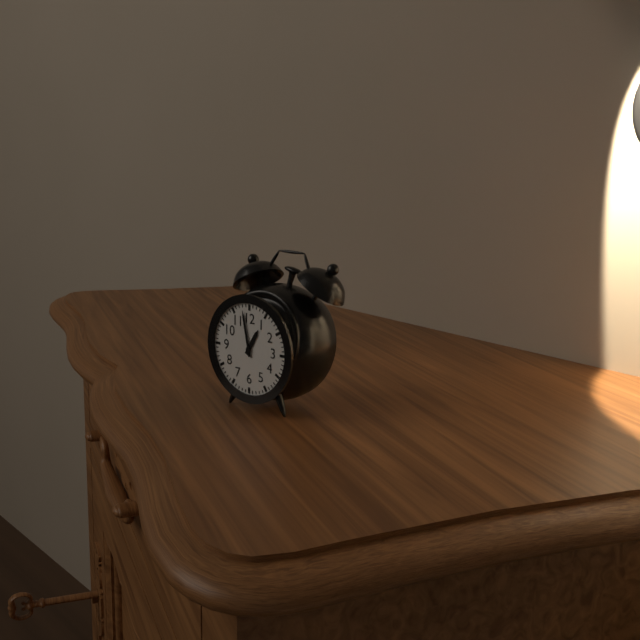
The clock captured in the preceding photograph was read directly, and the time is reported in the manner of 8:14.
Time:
12:58
